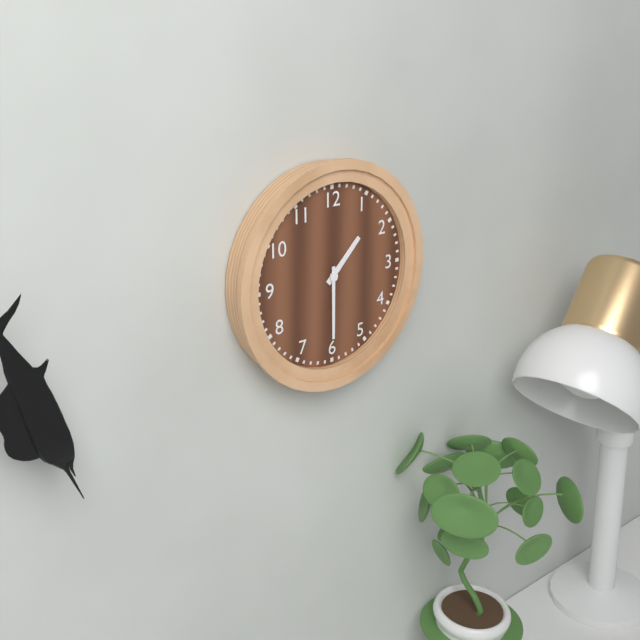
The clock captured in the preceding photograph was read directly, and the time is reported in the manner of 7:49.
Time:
1:30
